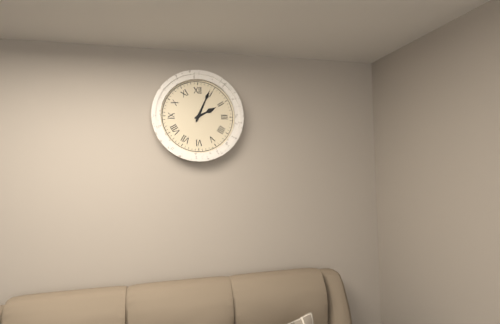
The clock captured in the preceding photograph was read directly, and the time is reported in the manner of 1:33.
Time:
2:04
